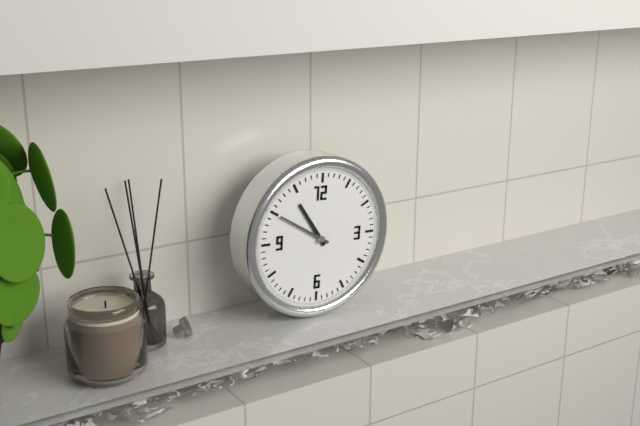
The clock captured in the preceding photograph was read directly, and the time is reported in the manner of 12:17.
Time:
10:50
